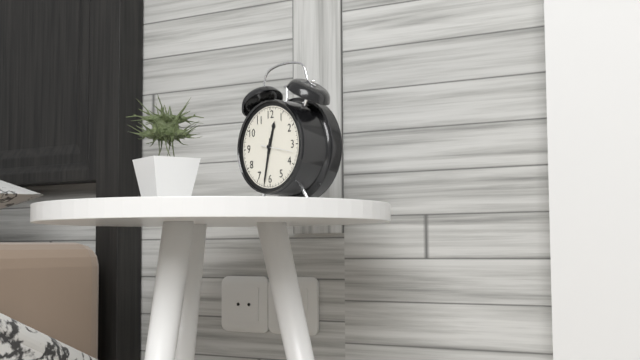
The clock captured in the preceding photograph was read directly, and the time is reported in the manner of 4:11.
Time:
12:32
